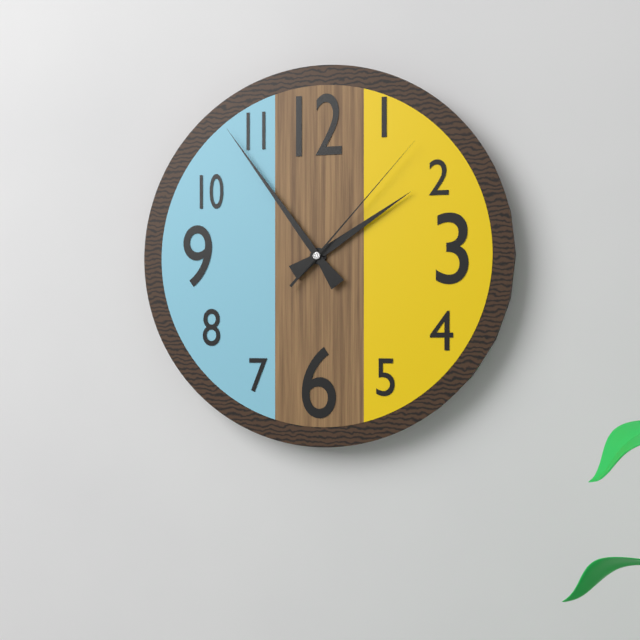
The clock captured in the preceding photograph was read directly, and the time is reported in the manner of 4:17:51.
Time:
1:54:07
